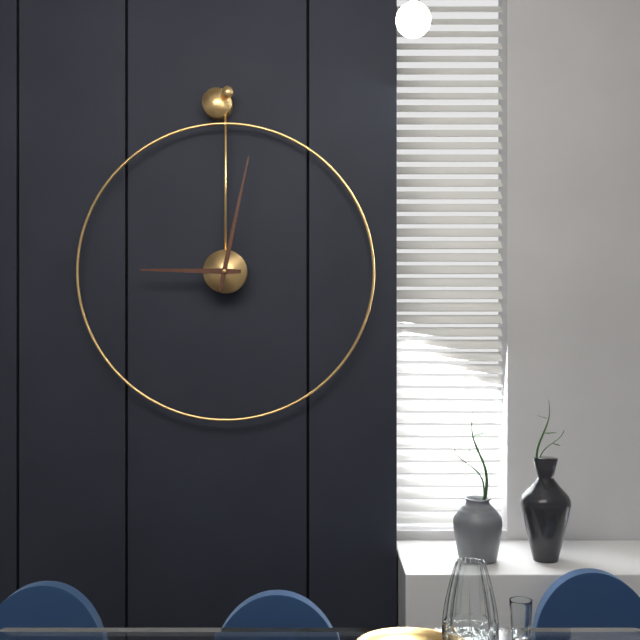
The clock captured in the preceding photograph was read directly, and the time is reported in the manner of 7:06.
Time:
9:02
